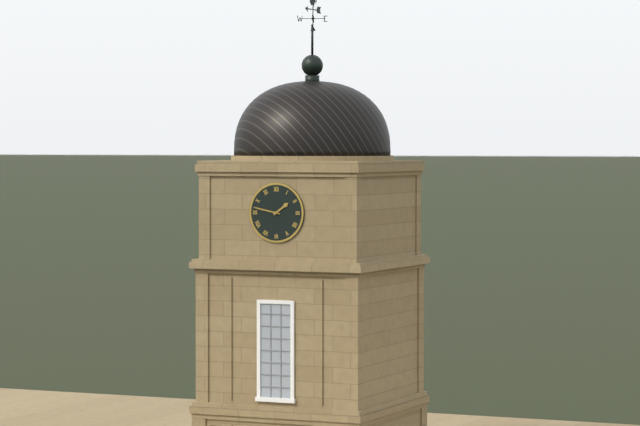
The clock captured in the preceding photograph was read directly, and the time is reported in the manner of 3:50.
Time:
1:47
